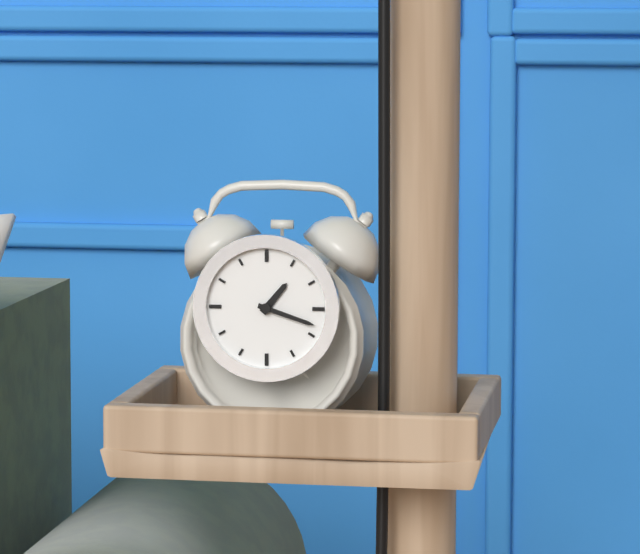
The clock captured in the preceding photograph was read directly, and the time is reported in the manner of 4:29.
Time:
1:18
